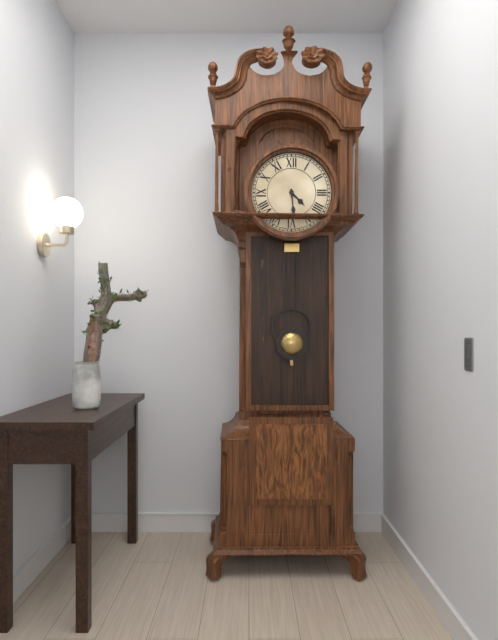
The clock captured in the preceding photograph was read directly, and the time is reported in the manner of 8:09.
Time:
4:29
